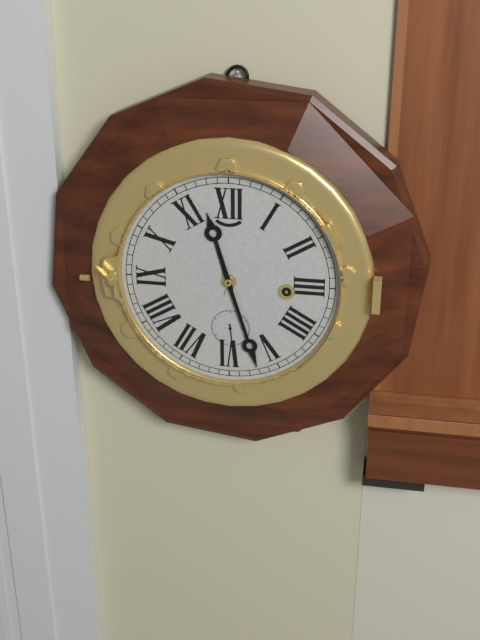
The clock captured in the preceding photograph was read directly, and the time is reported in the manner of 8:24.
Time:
11:27
